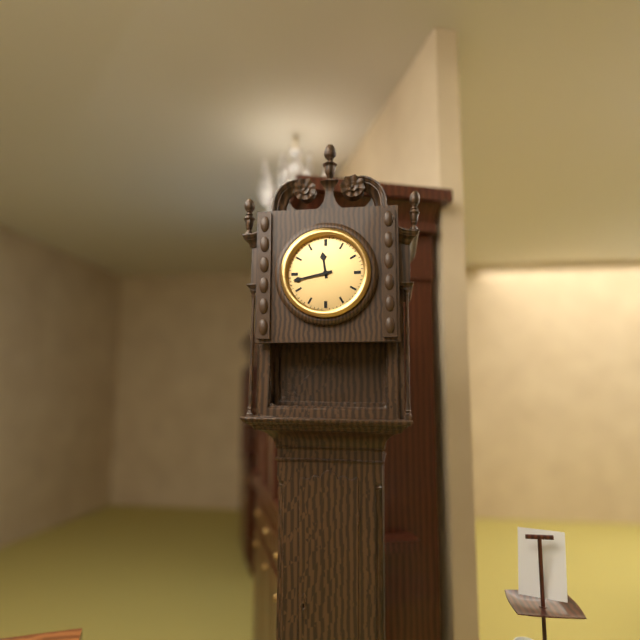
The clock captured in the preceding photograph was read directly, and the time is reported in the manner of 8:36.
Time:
11:43
